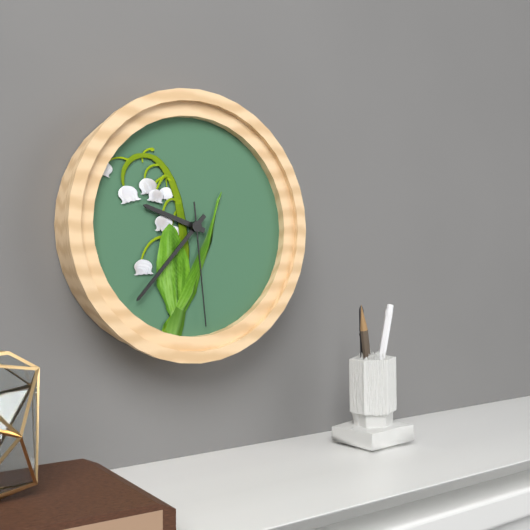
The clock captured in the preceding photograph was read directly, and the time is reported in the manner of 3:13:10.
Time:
9:37:29
